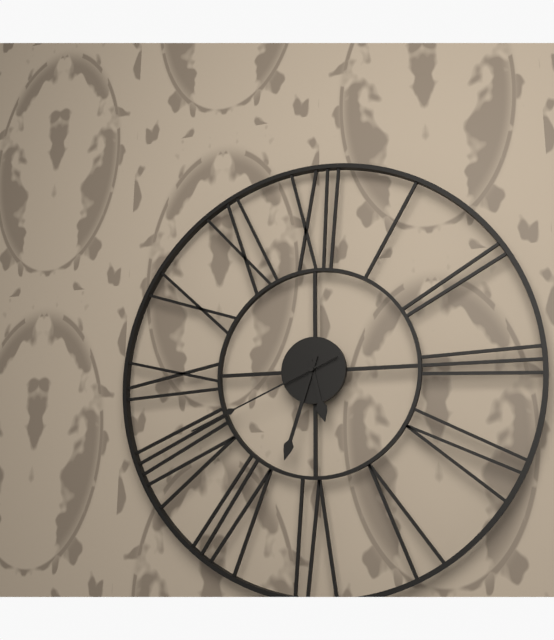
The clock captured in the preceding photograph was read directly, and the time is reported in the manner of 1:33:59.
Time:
5:33:41
